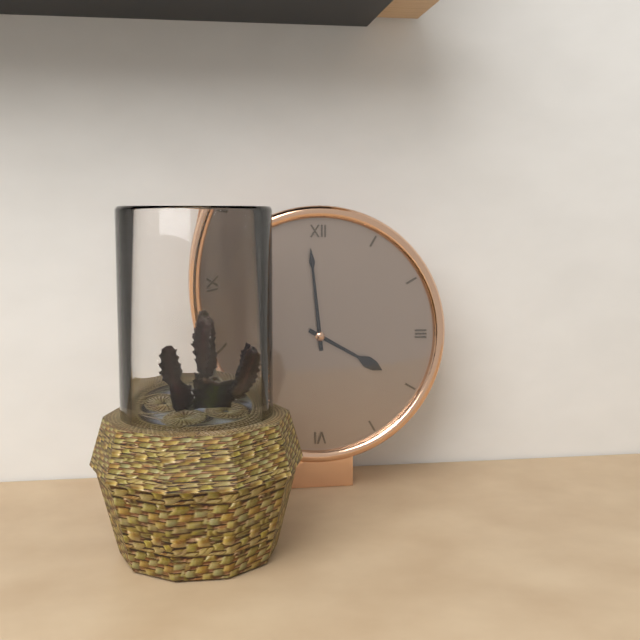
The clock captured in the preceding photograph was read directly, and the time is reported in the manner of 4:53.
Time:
3:59
